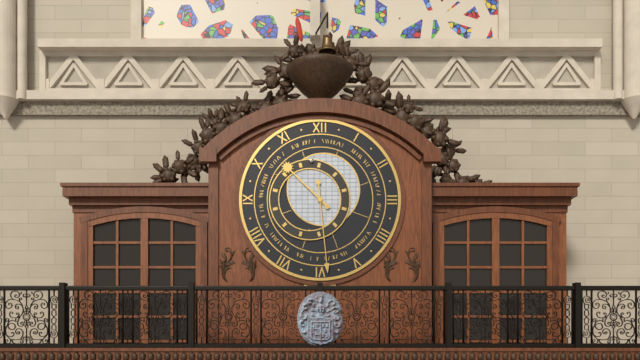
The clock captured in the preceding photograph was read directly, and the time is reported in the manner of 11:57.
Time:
10:29
